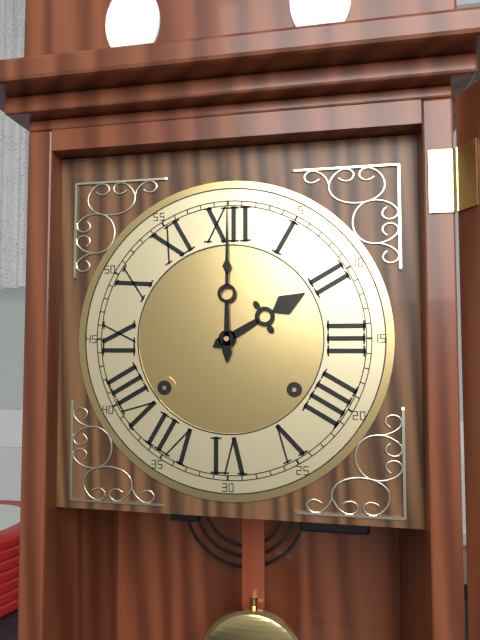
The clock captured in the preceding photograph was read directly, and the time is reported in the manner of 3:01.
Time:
2:00
